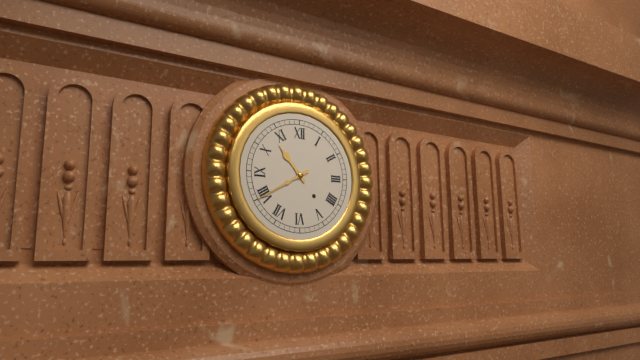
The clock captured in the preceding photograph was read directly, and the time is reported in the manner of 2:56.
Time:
10:40
